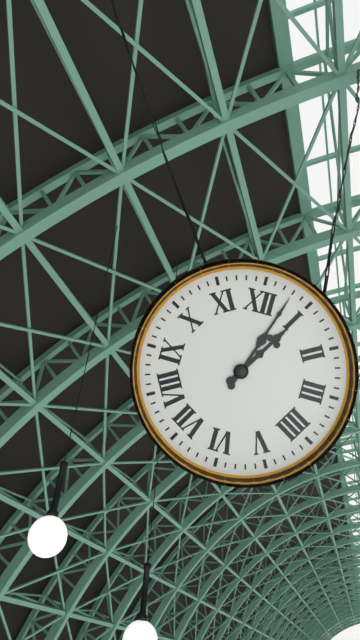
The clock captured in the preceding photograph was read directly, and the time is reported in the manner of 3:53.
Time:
1:03
